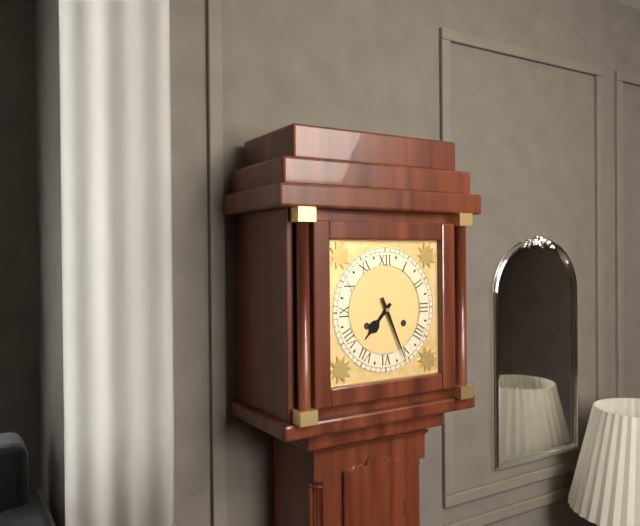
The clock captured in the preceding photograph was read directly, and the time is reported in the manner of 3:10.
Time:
7:26
